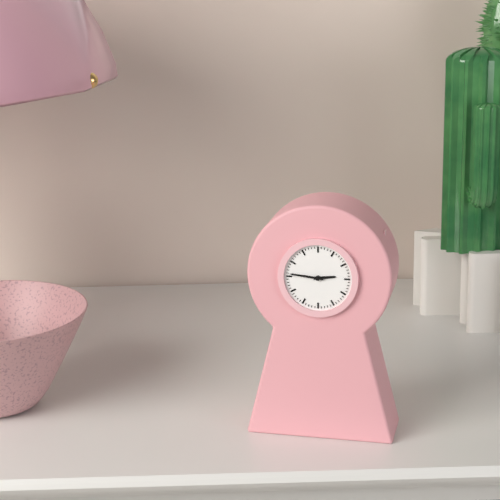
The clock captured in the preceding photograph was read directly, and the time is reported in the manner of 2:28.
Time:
2:46
